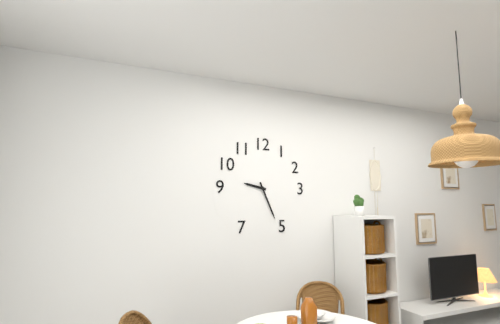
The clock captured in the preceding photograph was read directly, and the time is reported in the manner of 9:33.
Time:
9:26
